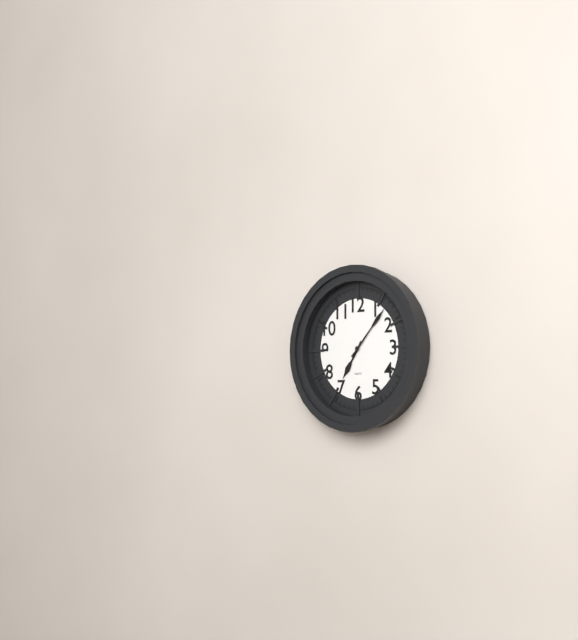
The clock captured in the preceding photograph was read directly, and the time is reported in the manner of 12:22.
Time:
7:07
